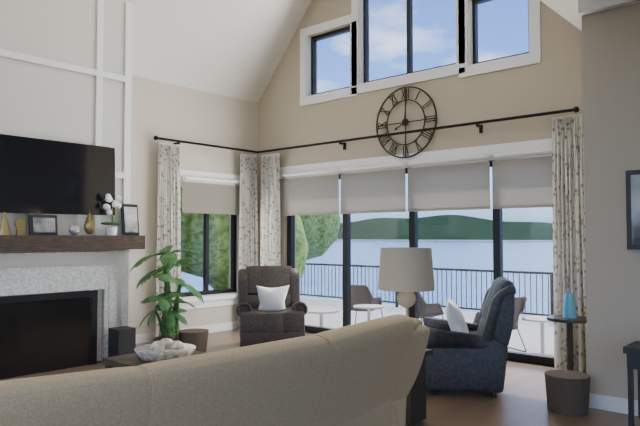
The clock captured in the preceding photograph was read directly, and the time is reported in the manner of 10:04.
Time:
8:01
